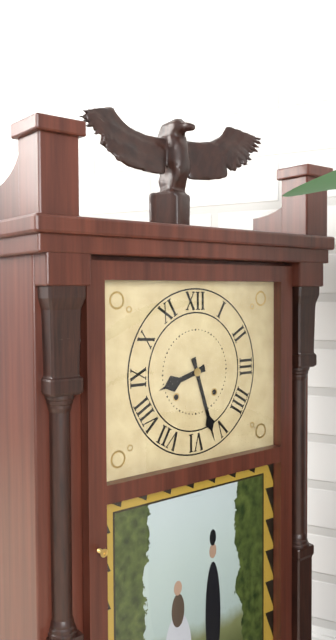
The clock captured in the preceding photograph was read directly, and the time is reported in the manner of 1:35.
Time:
8:27
